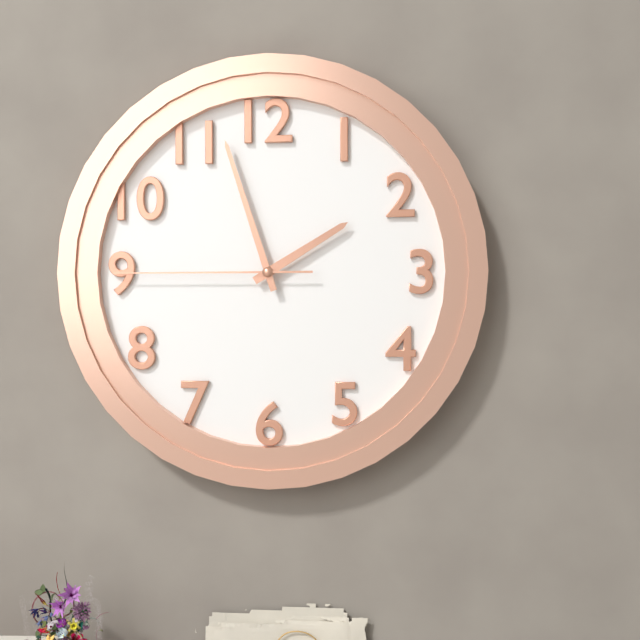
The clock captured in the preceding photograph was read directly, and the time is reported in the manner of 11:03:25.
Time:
1:57:45
